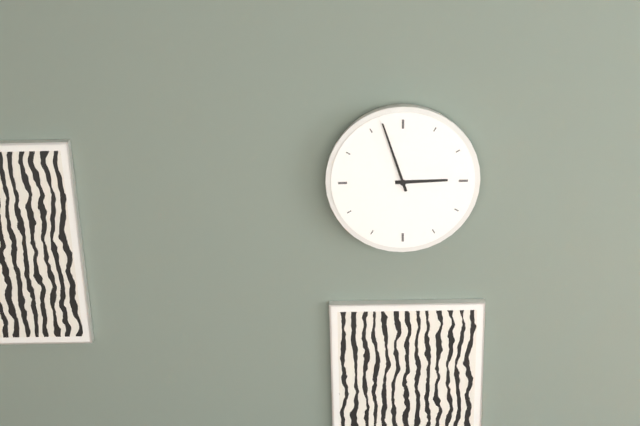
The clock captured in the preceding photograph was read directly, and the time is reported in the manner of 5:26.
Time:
2:57
